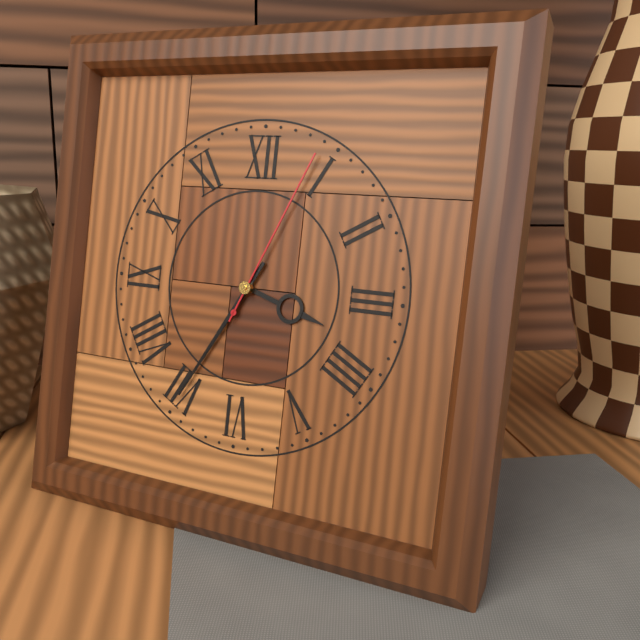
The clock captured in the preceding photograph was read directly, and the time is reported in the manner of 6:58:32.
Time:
3:35:04
